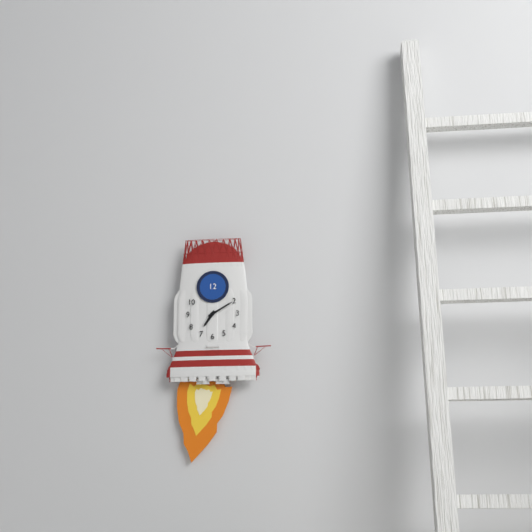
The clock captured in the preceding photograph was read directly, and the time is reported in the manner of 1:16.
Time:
7:10
